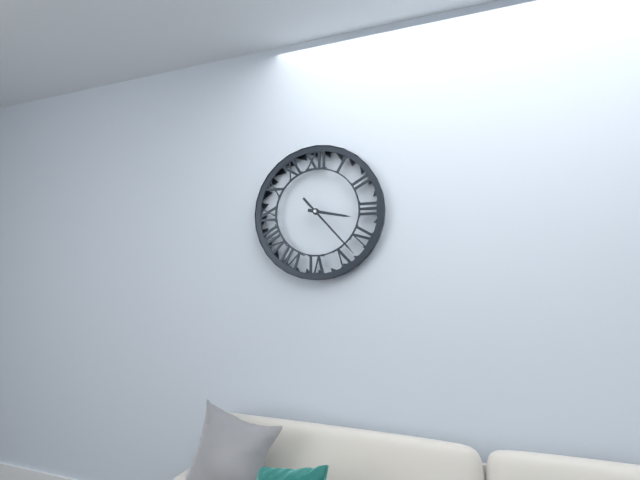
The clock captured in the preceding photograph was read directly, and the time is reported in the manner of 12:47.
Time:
3:23
